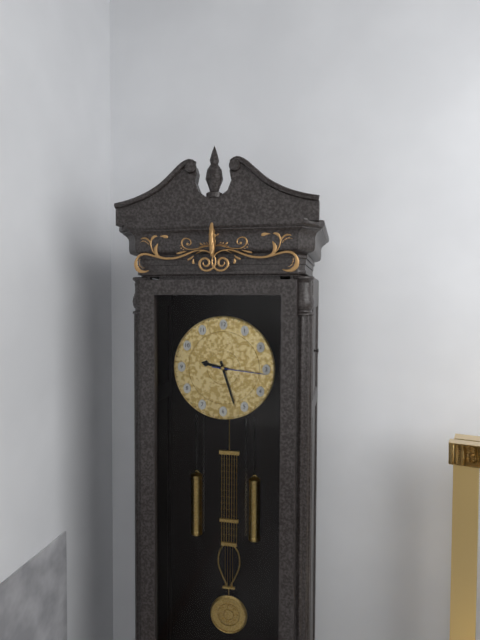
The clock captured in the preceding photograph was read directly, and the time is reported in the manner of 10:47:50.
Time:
9:27:16
